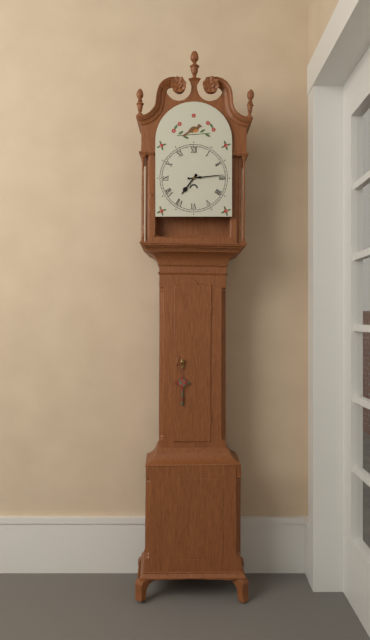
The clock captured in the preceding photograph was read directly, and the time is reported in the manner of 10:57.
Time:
7:14
